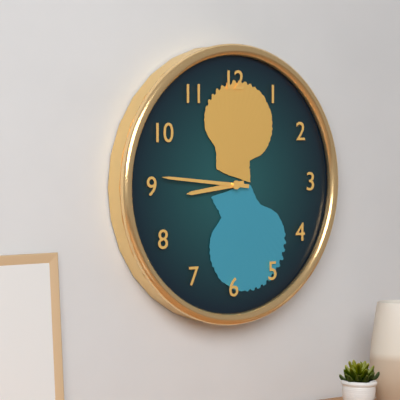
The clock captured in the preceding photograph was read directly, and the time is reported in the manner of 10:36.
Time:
8:46
